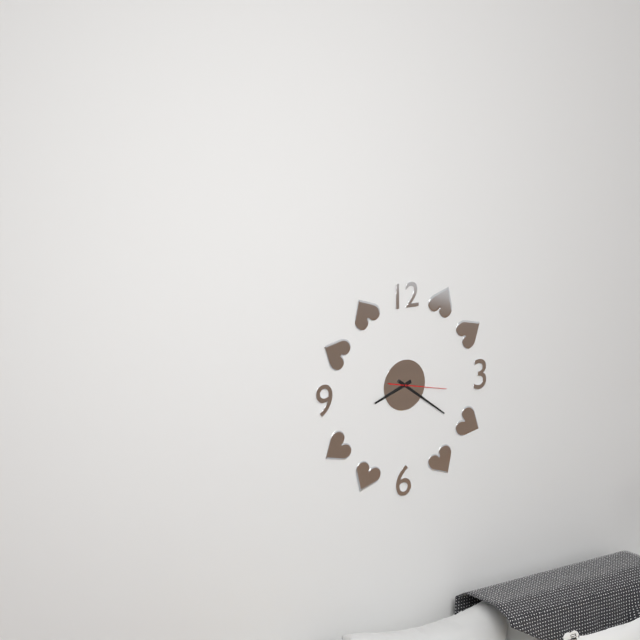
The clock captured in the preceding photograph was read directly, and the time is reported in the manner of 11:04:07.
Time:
8:21:17
